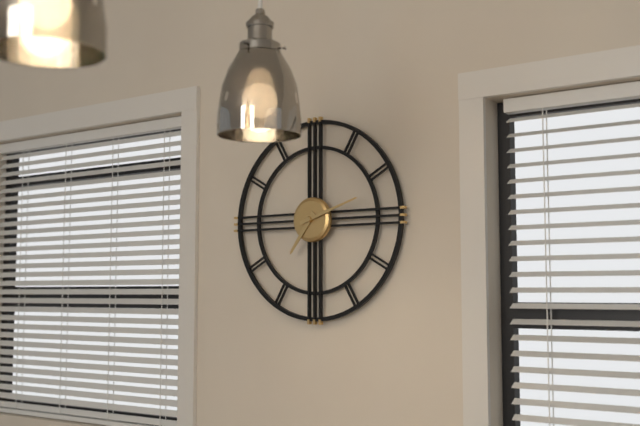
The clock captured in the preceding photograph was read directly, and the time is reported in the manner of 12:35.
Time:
7:12
